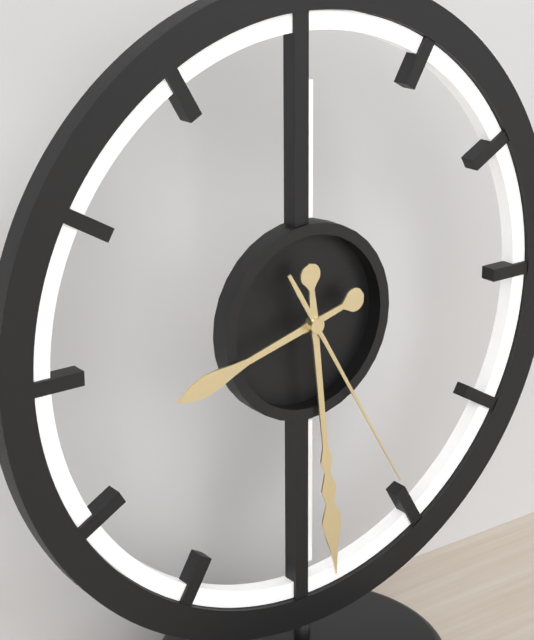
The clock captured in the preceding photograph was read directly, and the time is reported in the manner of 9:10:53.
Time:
8:29:25
